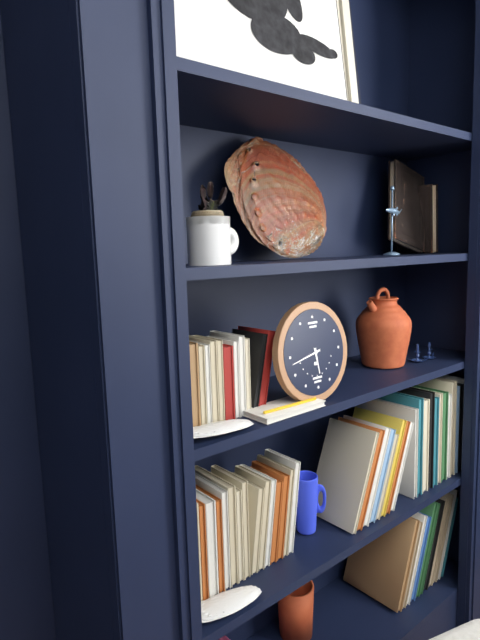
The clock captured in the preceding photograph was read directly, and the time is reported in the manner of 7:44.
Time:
5:43
